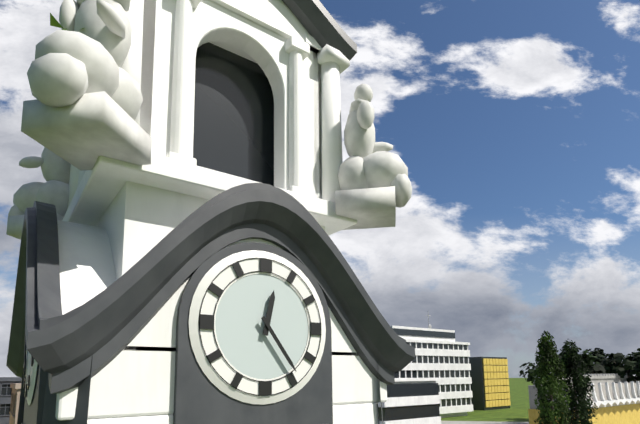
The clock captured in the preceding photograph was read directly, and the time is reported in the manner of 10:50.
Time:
12:24
